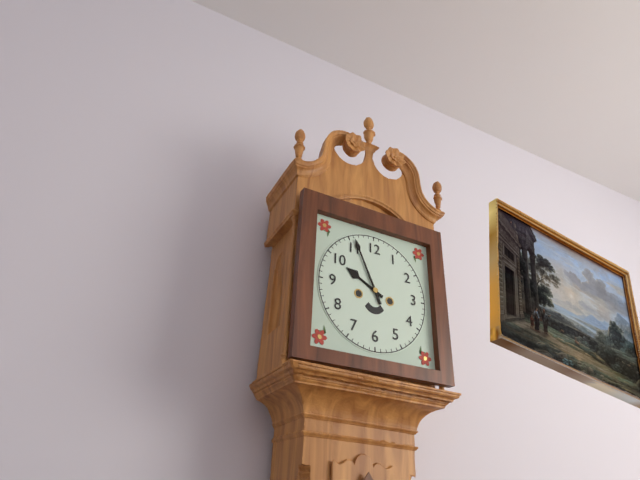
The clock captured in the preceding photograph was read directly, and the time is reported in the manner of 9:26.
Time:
9:56
